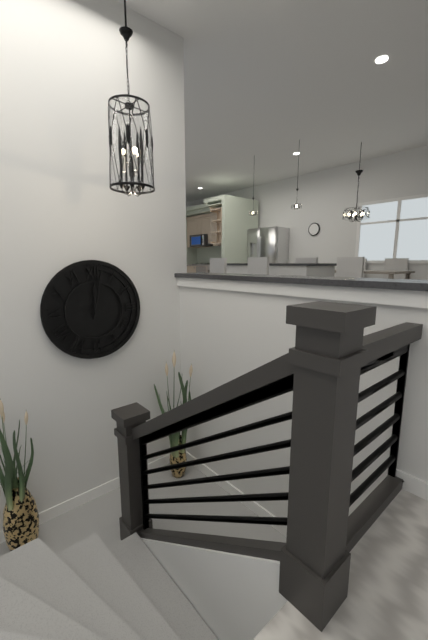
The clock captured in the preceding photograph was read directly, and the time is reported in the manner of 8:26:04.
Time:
12:02:18
